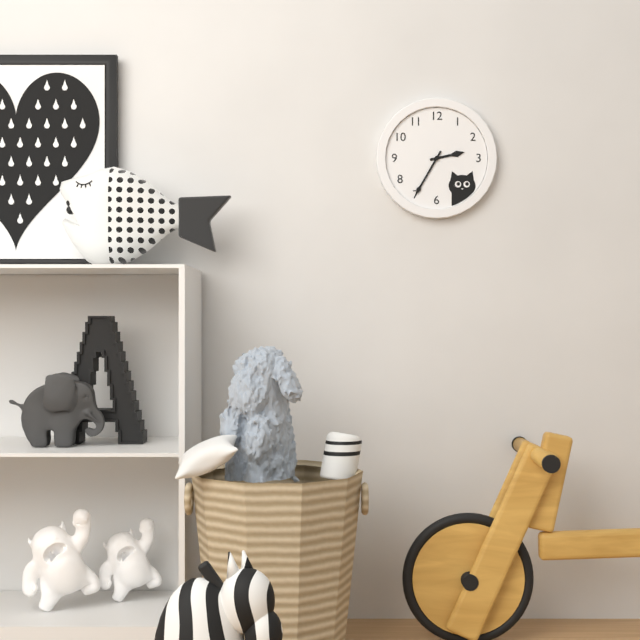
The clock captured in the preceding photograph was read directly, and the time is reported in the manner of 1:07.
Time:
2:35
